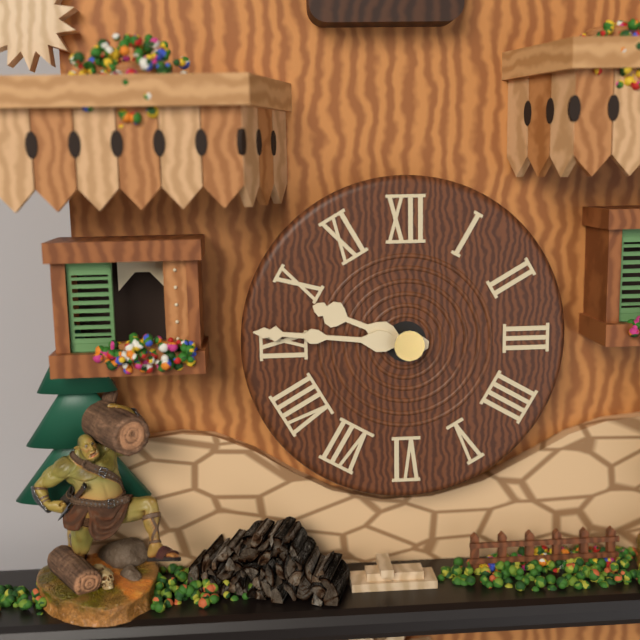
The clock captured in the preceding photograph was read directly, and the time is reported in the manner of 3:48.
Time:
9:46
